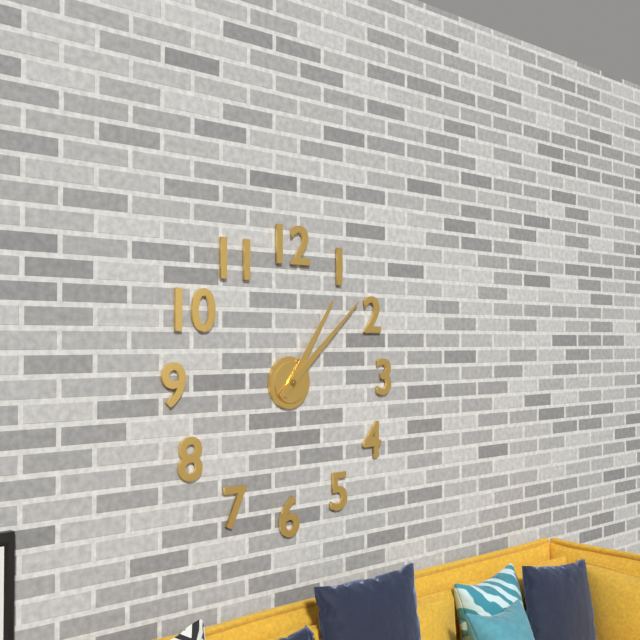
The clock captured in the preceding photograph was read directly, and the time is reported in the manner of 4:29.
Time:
1:08
